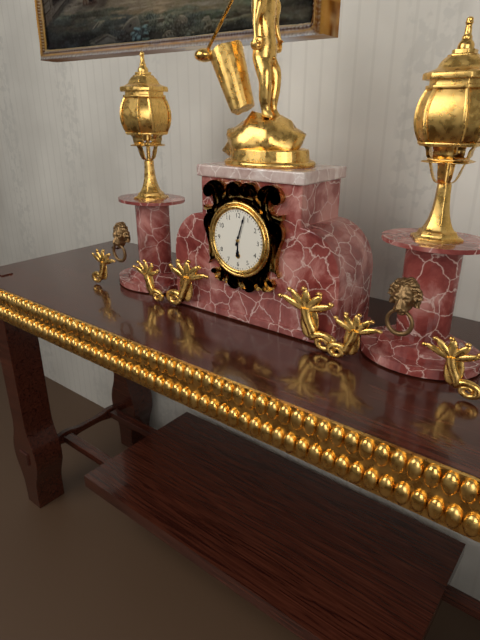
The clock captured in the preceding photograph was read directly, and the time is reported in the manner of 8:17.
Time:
6:03
